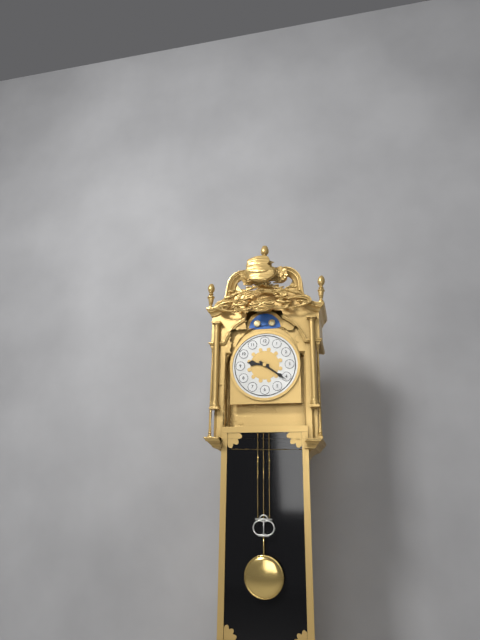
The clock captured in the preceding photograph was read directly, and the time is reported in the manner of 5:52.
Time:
9:21
